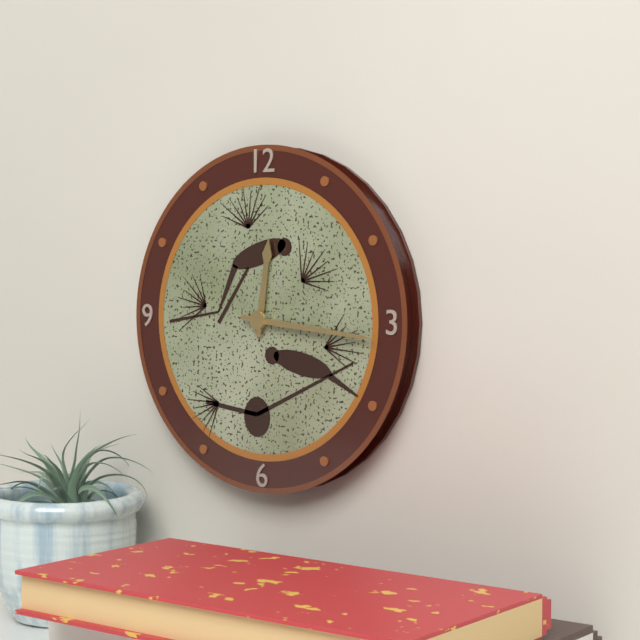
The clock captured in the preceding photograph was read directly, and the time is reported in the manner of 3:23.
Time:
12:16
